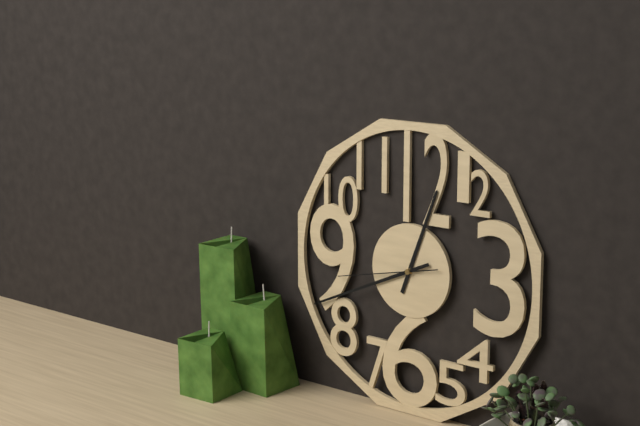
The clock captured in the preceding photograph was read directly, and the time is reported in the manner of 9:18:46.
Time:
12:41:43
